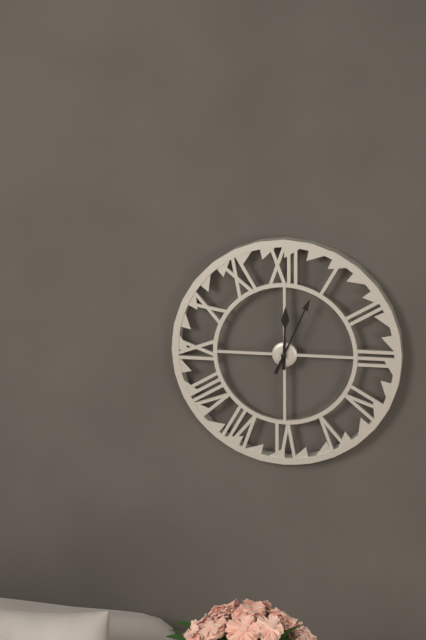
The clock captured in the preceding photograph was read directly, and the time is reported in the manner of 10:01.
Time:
12:04
